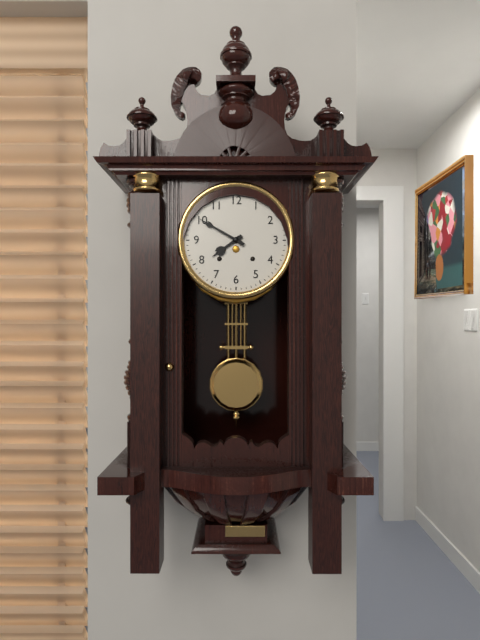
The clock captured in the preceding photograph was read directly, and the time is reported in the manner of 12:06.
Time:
7:50
